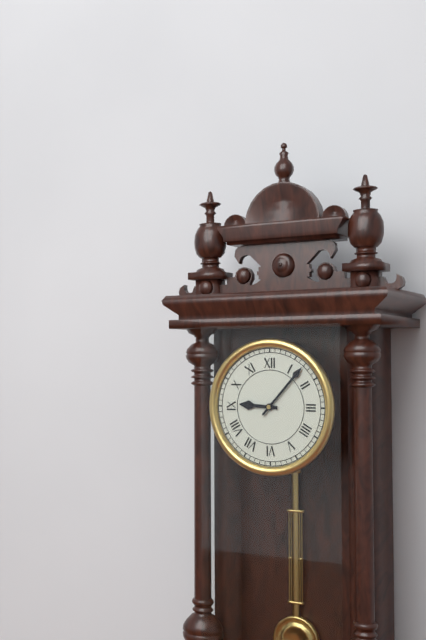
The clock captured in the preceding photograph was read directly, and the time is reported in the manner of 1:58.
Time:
9:07
